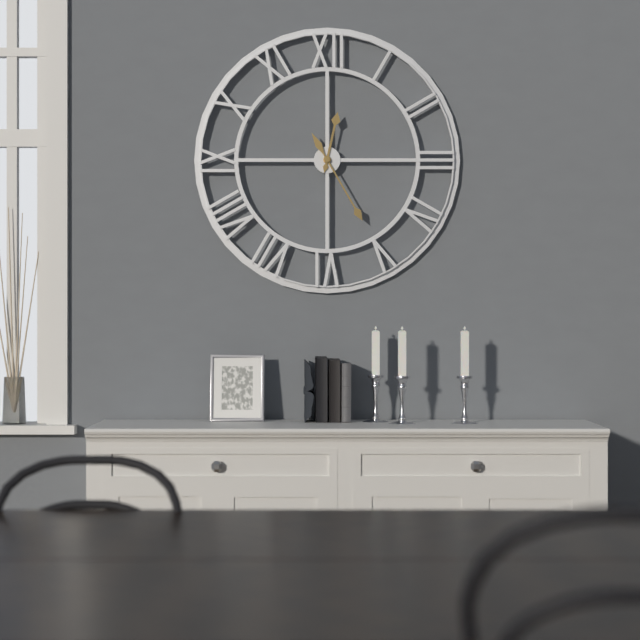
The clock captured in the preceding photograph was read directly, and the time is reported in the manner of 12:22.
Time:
12:25
